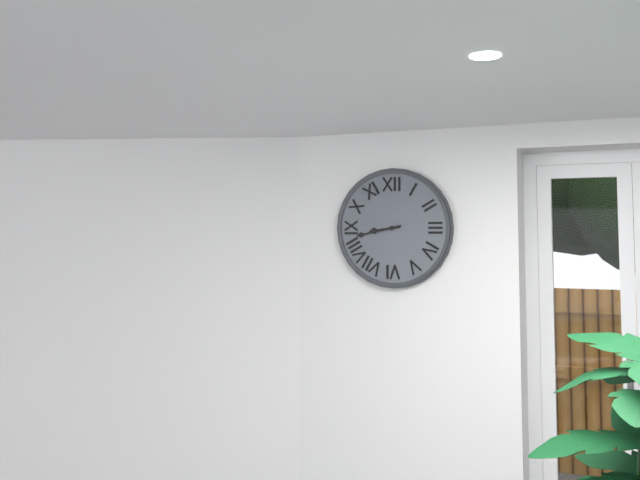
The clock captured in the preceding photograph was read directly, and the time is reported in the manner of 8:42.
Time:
8:43
